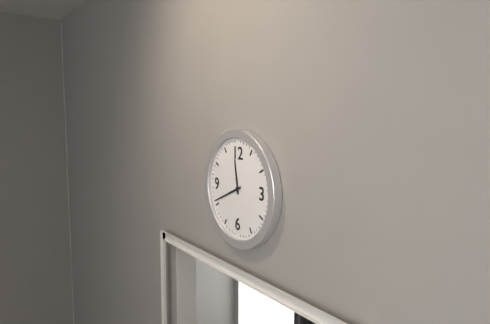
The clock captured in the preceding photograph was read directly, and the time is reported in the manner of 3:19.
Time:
11:41
